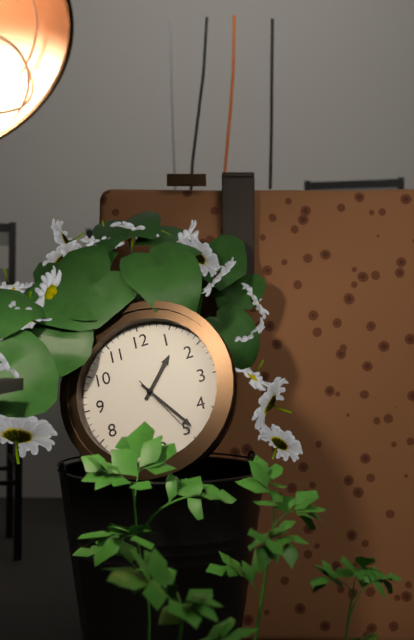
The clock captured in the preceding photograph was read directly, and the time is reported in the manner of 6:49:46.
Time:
1:24:25
